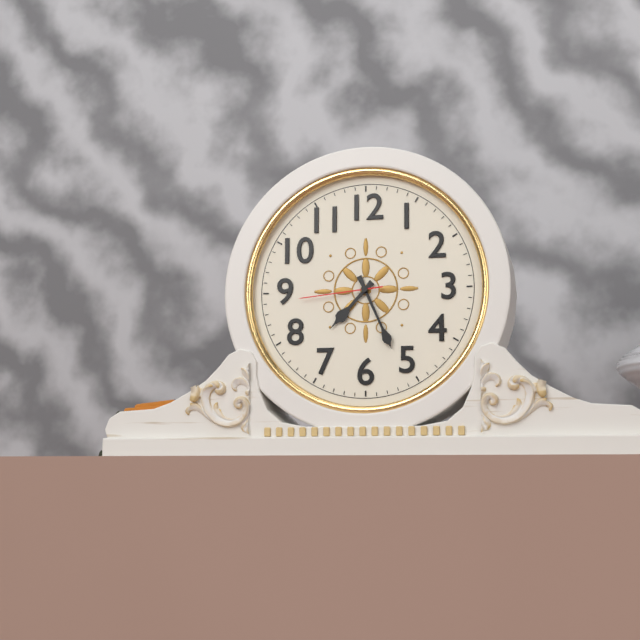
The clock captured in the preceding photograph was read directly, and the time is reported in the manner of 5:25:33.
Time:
7:26:44
